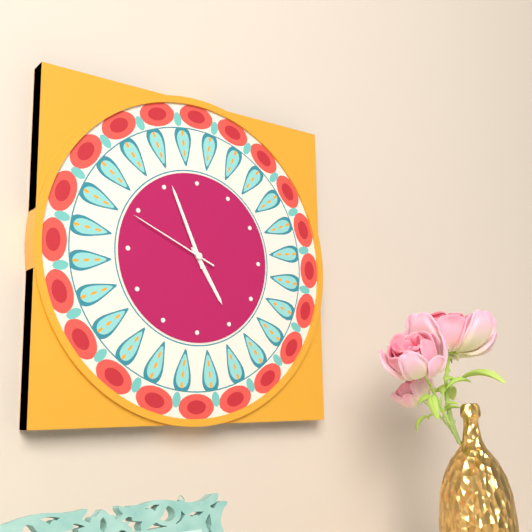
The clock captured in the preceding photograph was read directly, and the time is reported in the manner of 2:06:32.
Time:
4:56:49
